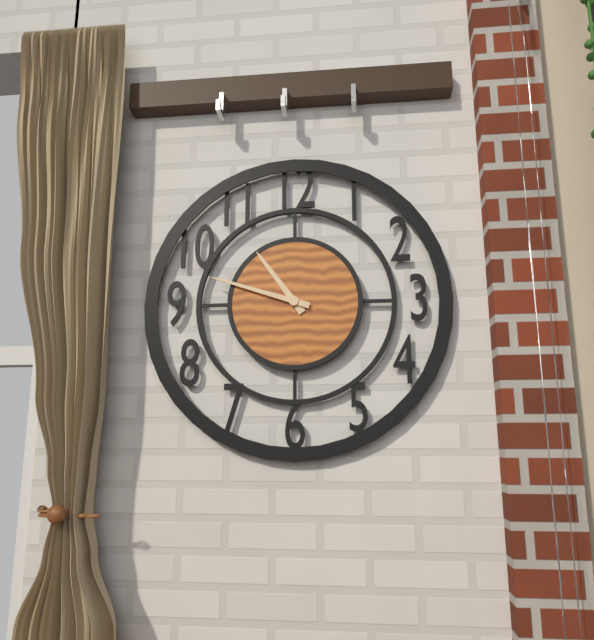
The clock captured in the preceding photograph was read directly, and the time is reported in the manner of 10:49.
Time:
10:48
